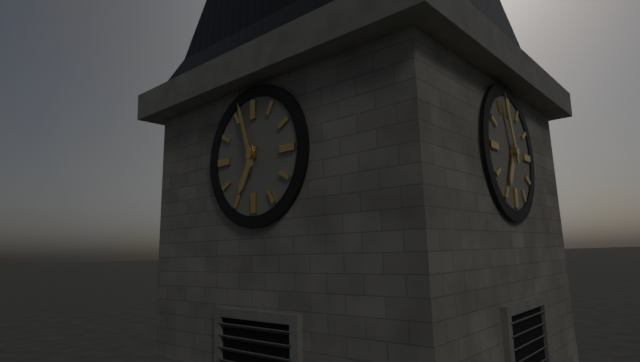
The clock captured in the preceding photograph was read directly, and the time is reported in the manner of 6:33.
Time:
6:57
